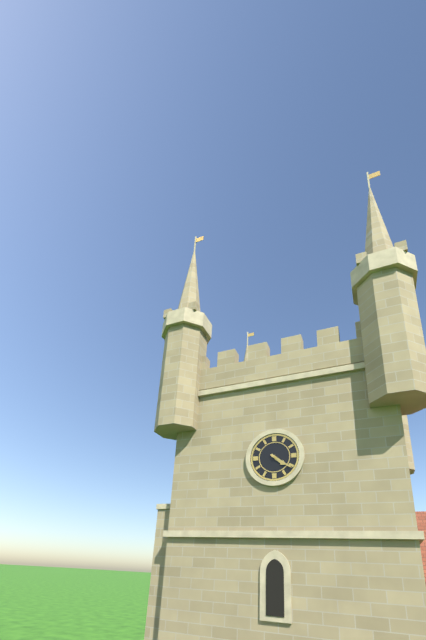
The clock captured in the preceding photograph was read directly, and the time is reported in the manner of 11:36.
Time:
4:21
